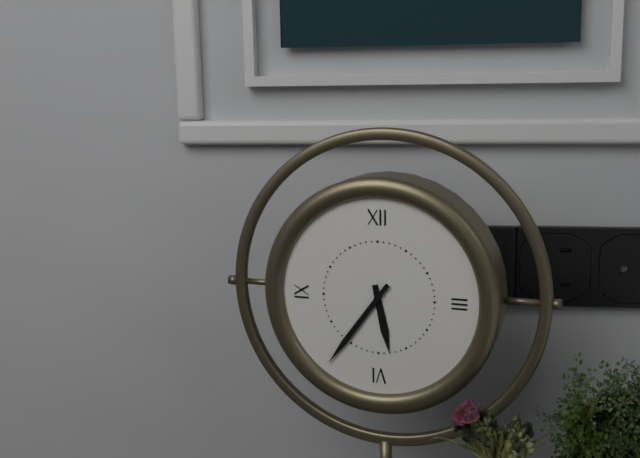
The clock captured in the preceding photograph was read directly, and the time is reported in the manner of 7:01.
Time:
5:36
